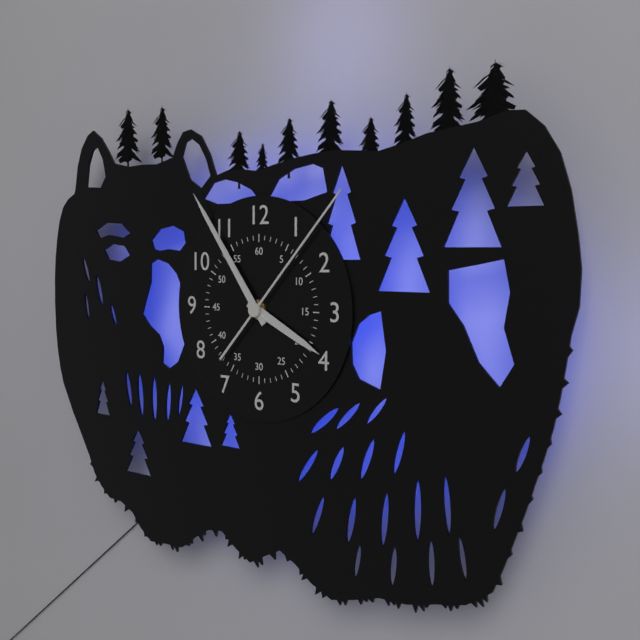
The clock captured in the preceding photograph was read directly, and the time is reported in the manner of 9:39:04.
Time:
3:54:07
